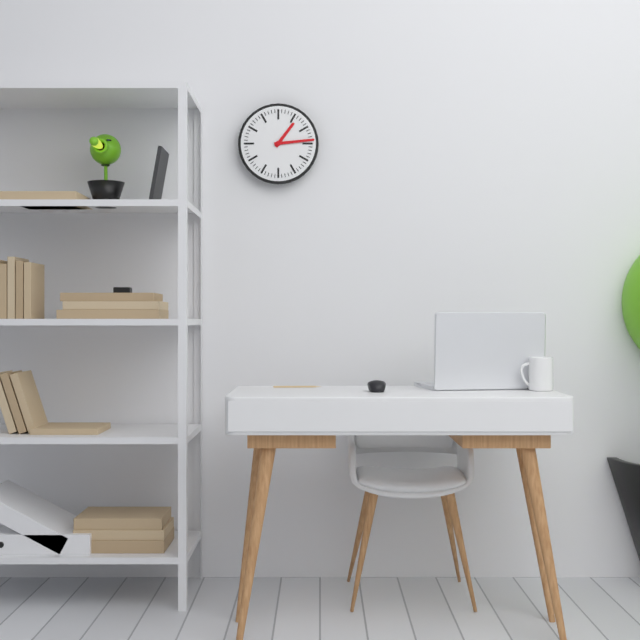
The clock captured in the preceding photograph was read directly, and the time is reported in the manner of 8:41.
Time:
1:14
